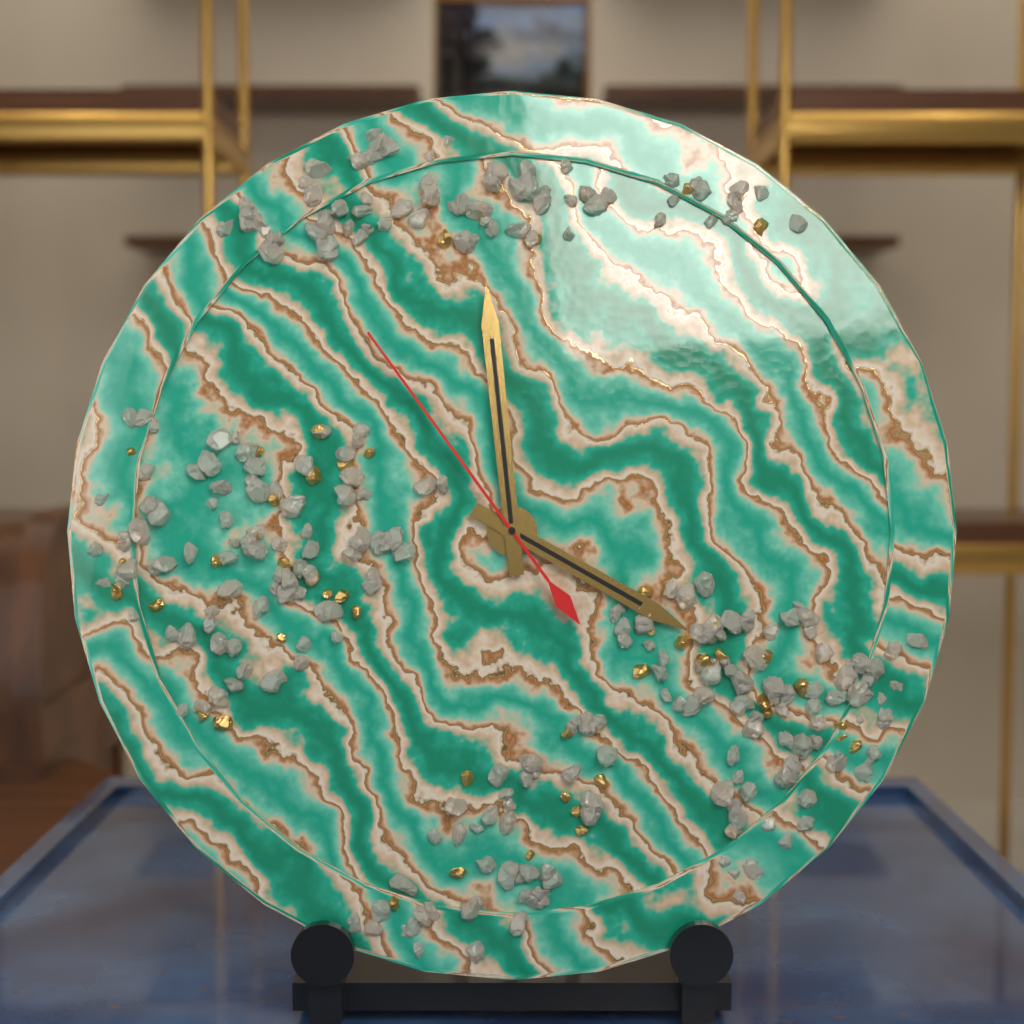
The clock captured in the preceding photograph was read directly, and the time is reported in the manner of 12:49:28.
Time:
3:59:54
